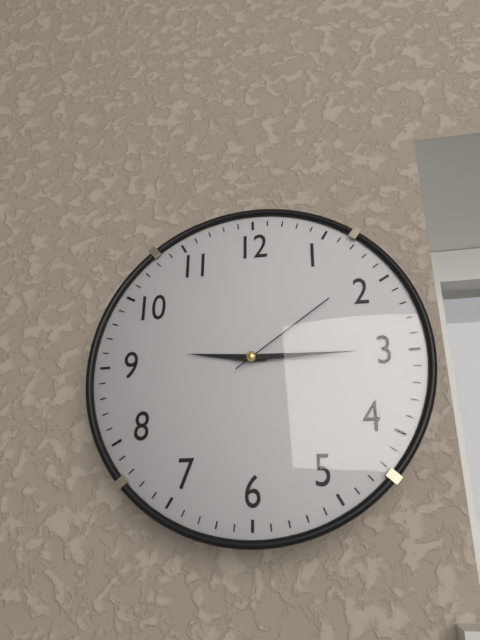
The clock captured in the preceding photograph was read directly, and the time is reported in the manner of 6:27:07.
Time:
9:15:09
